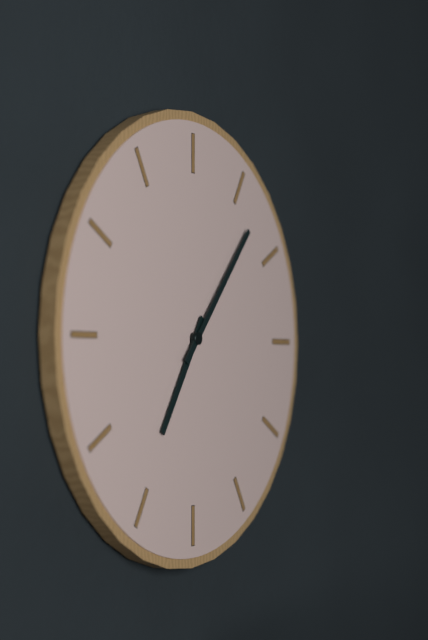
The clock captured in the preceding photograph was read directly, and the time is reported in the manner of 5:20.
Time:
7:07
